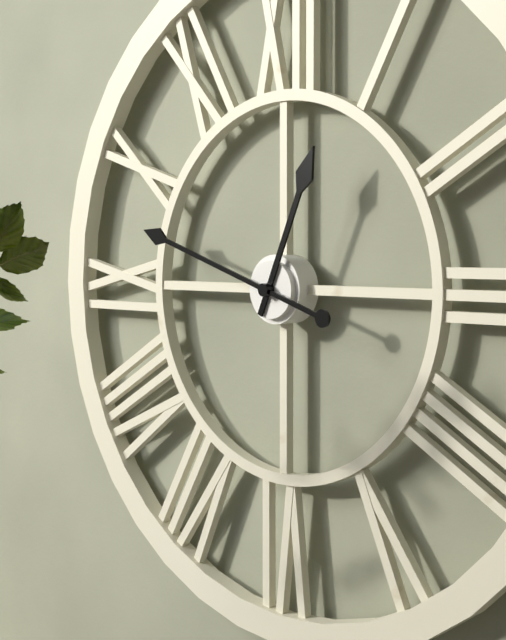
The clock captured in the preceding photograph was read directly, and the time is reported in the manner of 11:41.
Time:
12:48
